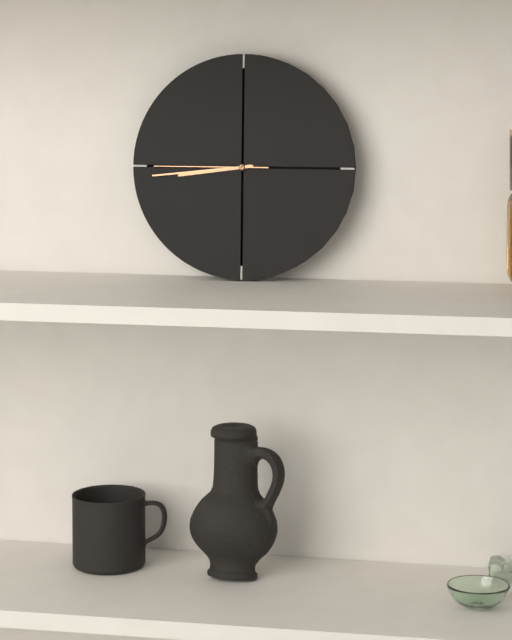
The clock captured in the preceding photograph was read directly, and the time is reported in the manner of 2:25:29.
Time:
8:44:45
